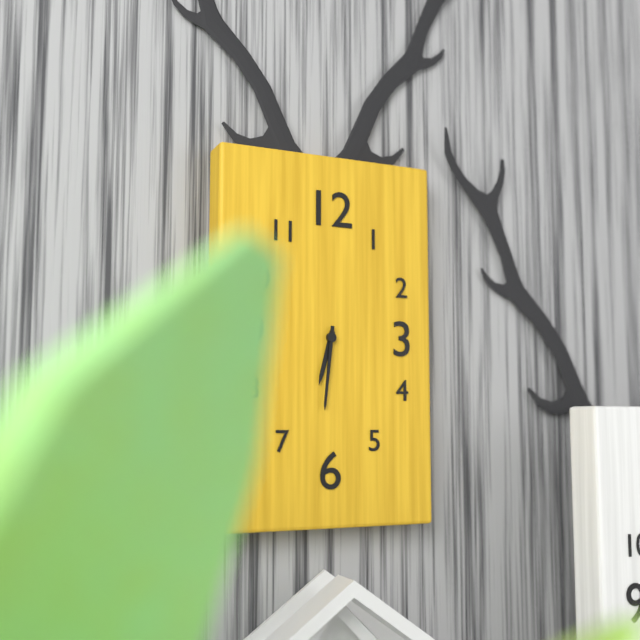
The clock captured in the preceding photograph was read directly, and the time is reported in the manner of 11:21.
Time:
6:31
